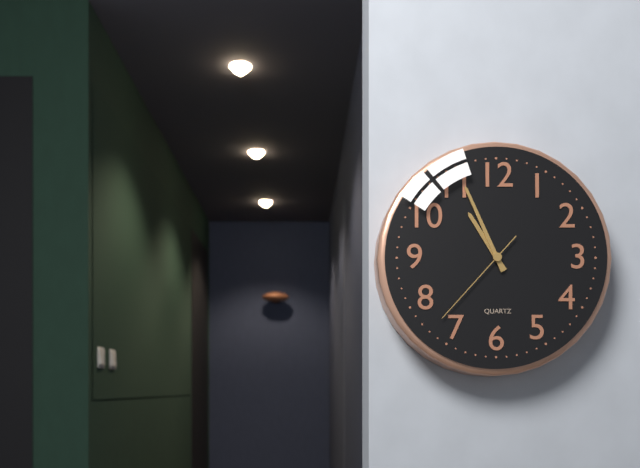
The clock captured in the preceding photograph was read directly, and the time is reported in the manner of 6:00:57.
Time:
10:56:37
